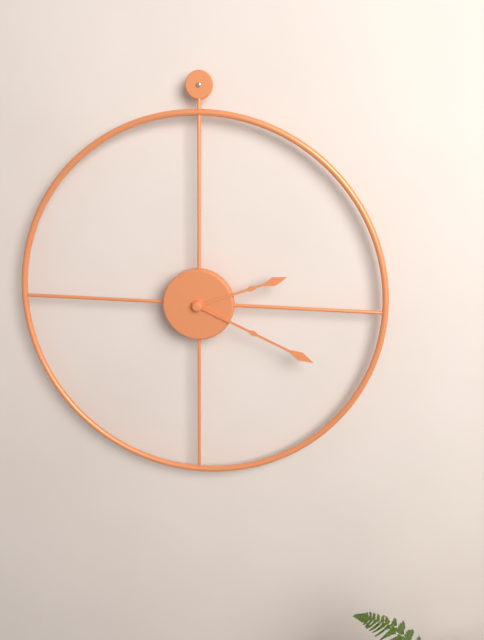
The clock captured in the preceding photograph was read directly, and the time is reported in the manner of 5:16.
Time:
2:19
